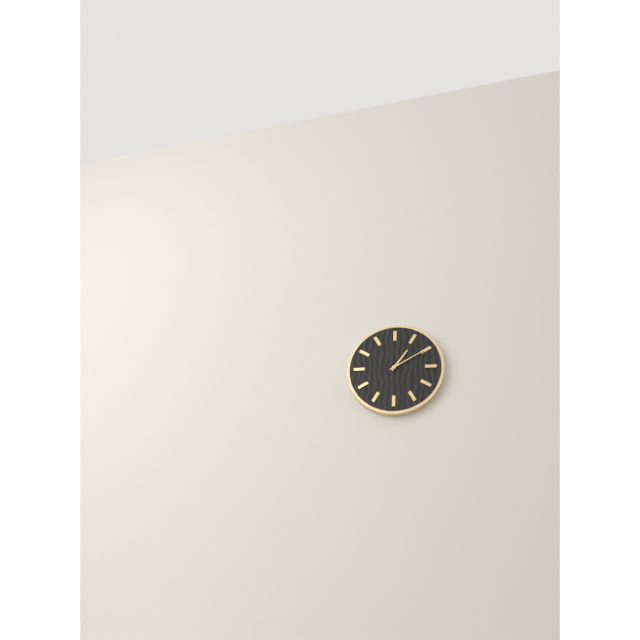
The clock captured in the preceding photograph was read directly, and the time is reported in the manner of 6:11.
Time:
1:10
